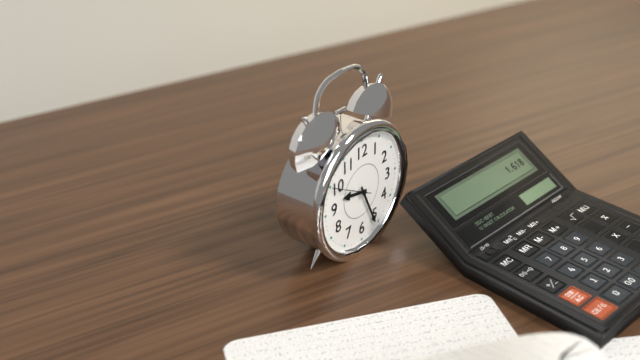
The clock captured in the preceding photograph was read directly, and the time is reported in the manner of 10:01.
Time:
9:26
